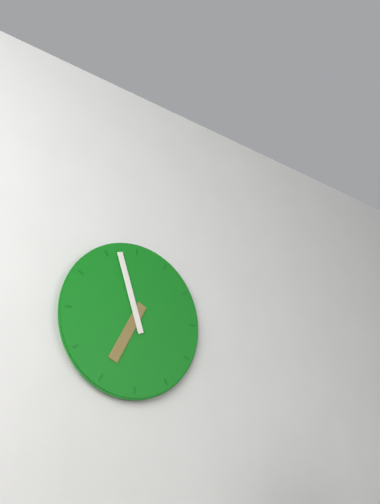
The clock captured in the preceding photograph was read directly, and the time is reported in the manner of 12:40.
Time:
6:57
